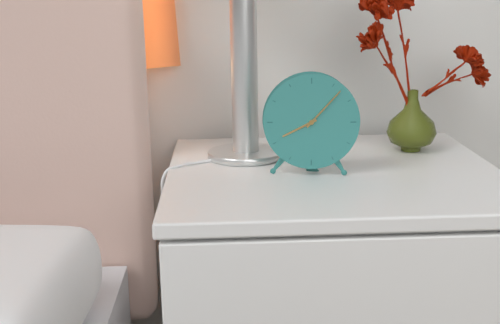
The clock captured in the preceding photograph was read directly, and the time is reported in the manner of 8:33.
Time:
8:07
